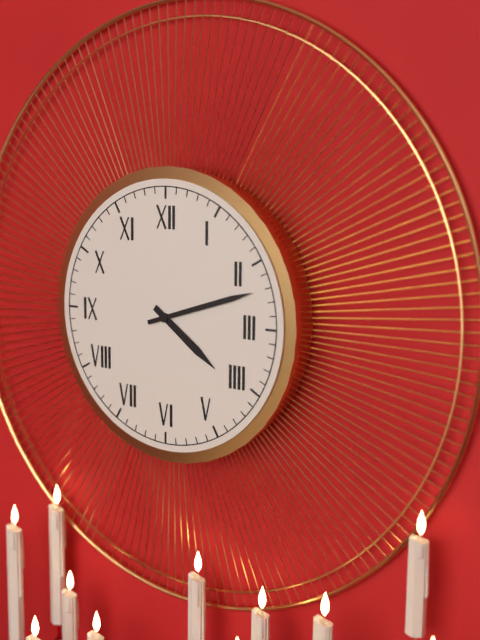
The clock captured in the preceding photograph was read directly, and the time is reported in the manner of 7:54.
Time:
4:12
